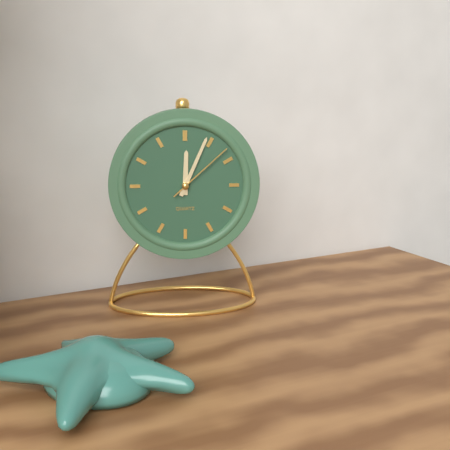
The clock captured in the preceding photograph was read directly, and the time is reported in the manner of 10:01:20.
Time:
12:04:08
